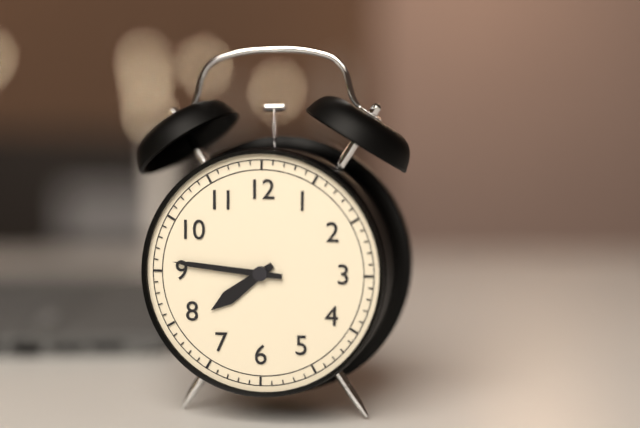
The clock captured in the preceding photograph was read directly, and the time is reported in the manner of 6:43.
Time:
7:46
